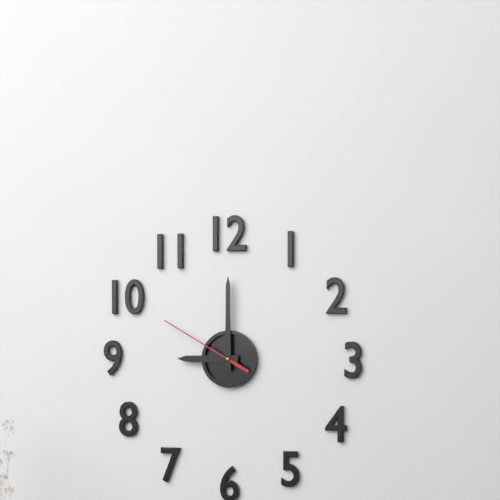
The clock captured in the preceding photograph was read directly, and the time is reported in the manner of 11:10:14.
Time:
9:00:50
